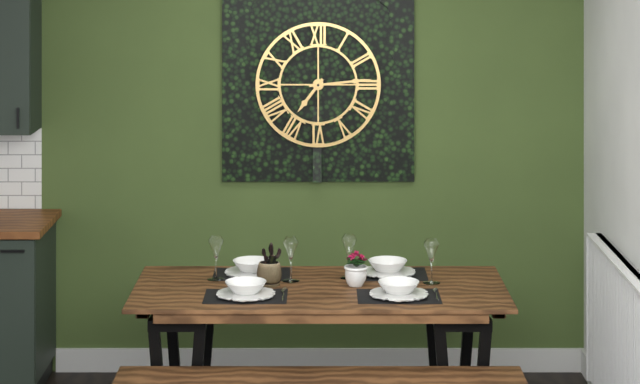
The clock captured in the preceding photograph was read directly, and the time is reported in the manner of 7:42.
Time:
7:14
